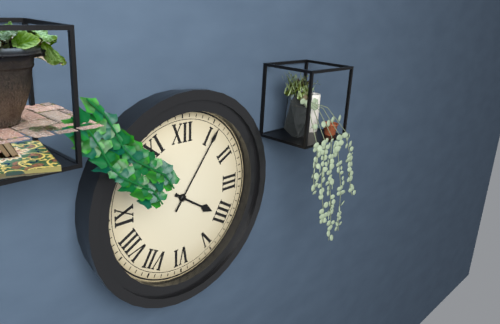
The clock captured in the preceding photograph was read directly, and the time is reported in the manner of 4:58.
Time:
4:06
